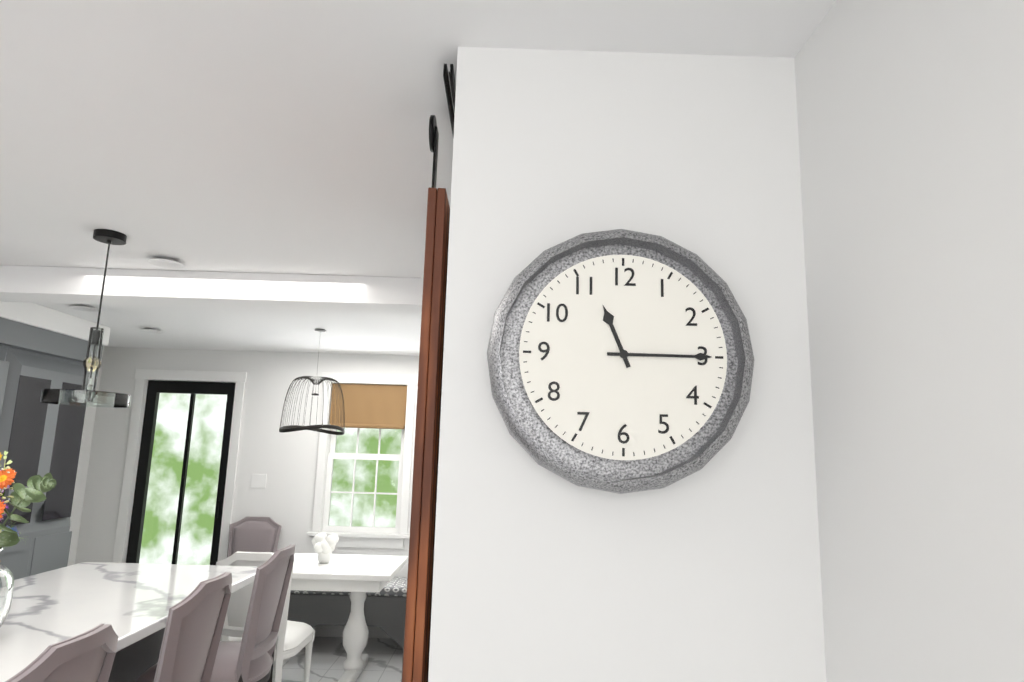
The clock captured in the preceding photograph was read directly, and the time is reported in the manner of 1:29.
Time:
11:15
